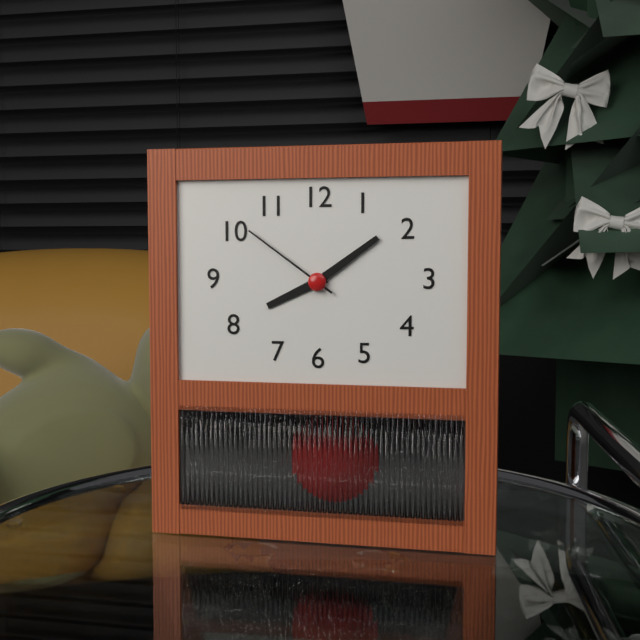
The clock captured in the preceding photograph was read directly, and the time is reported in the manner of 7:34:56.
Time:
8:09:51
